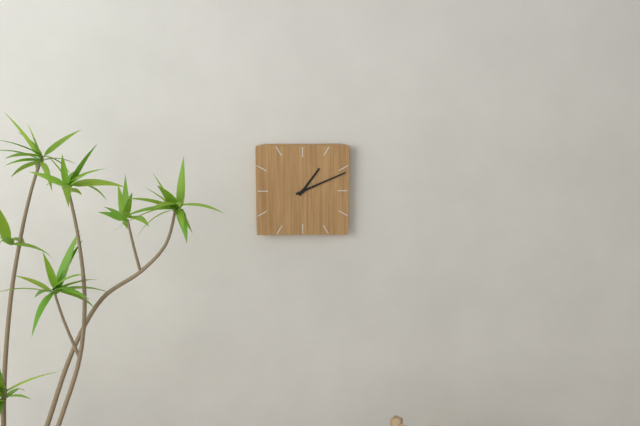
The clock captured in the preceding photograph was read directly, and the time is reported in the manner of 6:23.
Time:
1:11
